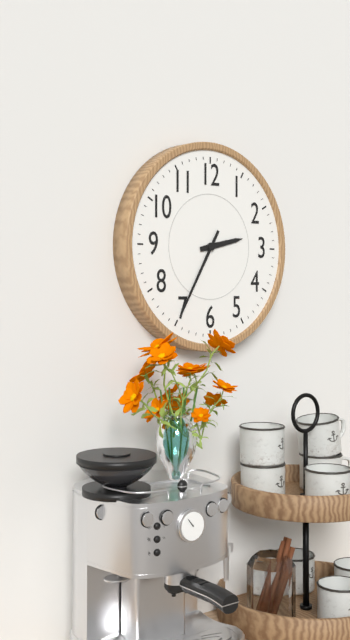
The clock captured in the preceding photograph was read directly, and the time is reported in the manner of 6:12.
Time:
2:35
